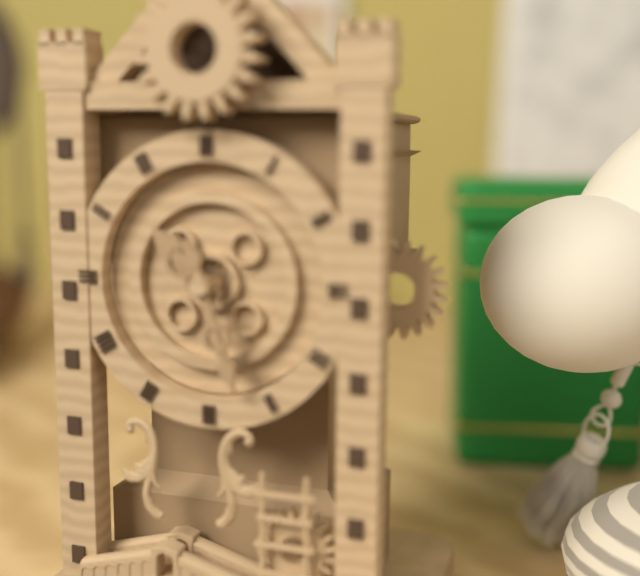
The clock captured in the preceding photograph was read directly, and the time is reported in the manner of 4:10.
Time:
10:27
